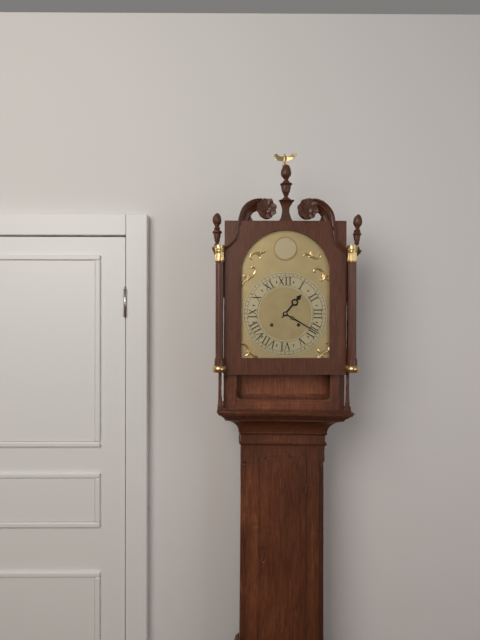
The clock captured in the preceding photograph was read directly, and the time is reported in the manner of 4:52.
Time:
1:20
